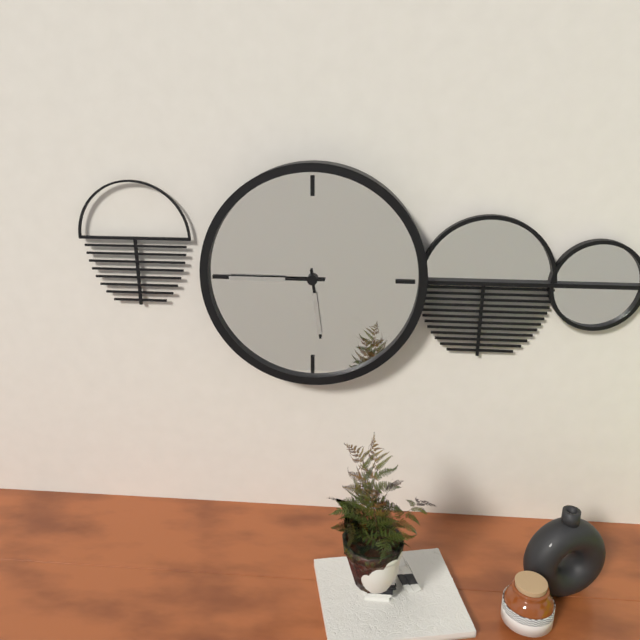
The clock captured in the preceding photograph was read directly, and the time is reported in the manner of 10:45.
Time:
5:45
